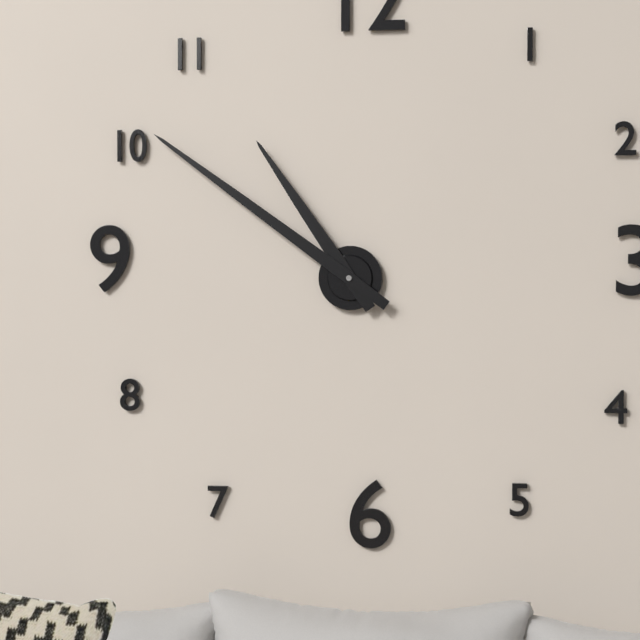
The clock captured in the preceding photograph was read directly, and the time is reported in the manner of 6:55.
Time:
10:51
